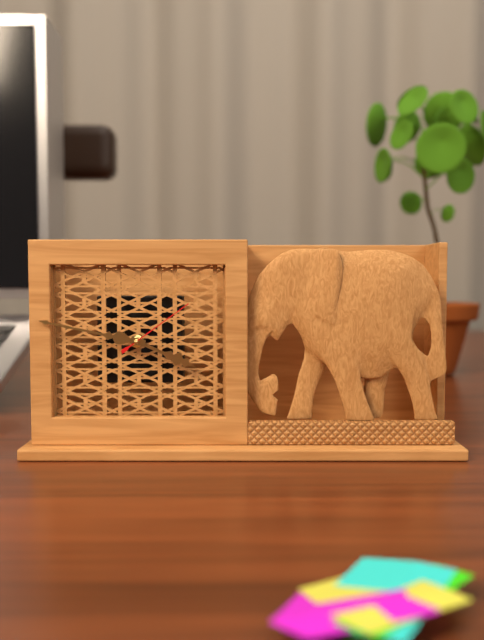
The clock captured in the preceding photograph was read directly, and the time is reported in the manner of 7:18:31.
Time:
3:47:09
